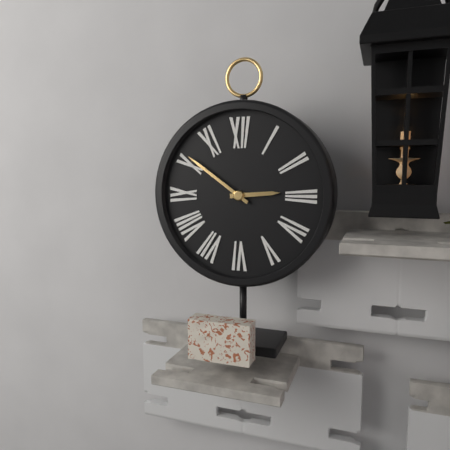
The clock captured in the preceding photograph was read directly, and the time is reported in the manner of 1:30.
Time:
2:51
